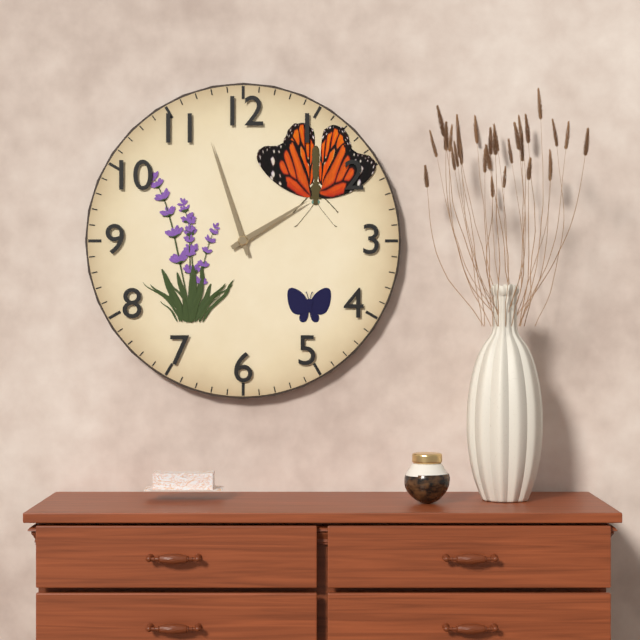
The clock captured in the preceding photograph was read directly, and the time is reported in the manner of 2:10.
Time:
1:57
